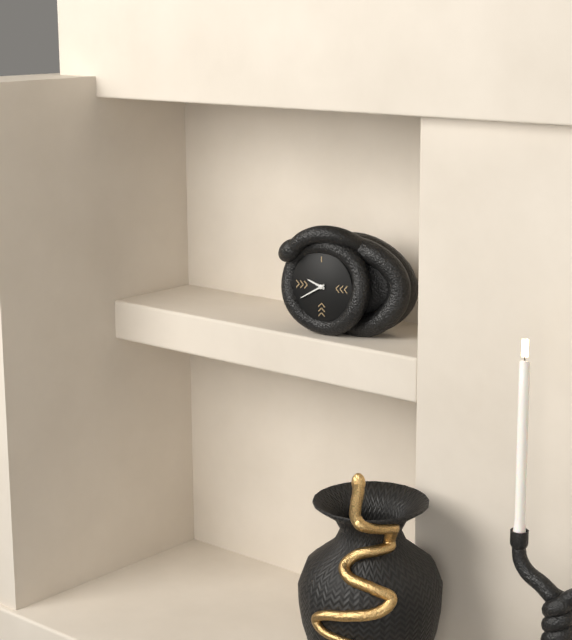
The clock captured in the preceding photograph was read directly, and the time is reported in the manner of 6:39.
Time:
9:40
